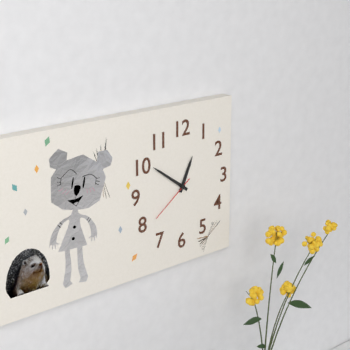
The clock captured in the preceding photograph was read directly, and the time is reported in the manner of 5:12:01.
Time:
12:51:39
